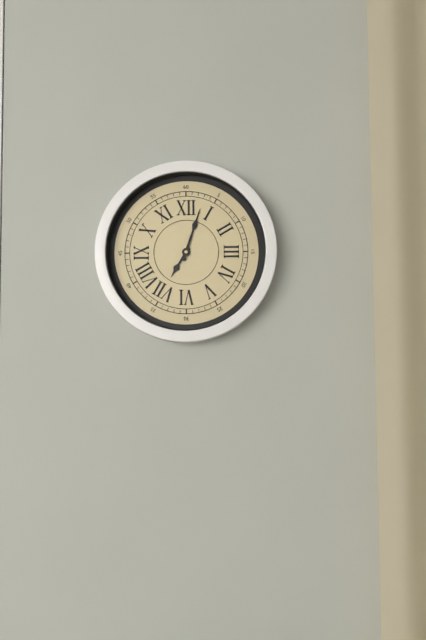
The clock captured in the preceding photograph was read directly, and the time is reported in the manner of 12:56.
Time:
7:03
